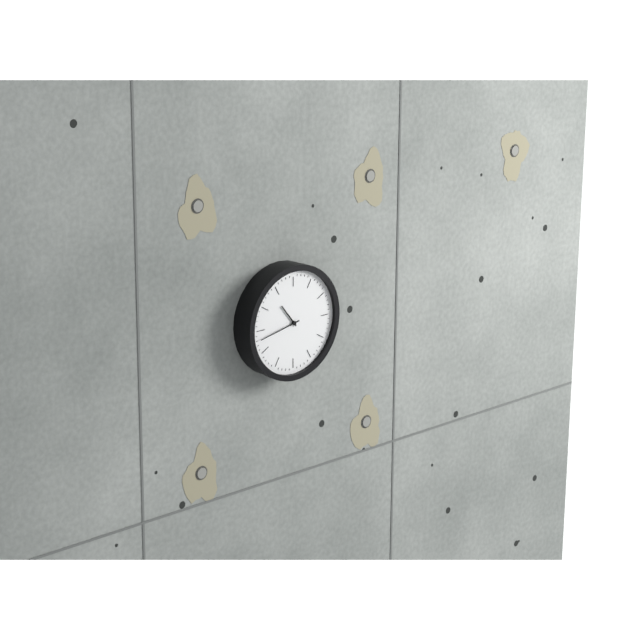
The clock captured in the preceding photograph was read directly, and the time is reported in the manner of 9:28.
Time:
10:43
